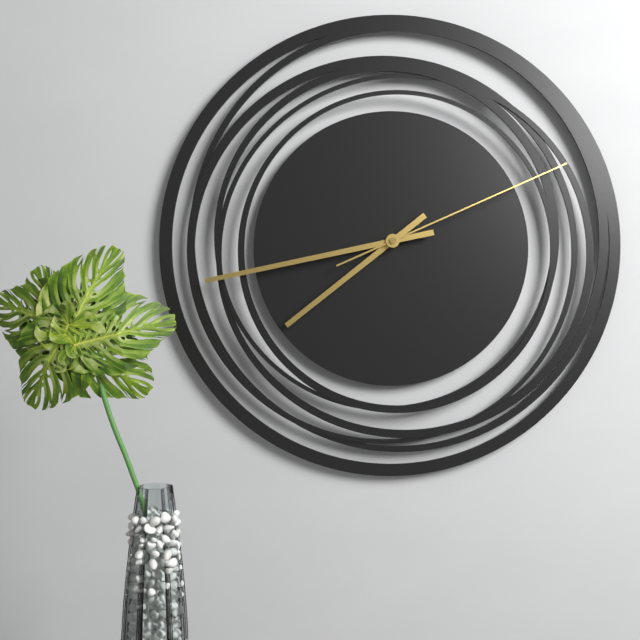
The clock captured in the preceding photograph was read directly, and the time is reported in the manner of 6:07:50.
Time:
7:43:11
